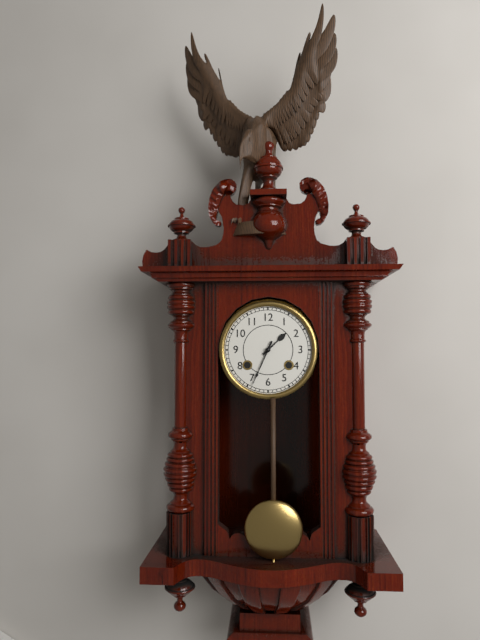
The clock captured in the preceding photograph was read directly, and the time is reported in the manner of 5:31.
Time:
1:34
